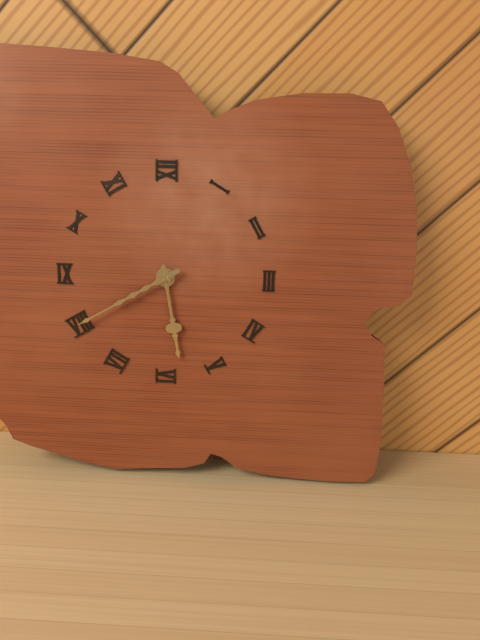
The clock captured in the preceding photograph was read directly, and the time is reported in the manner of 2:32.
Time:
5:40
